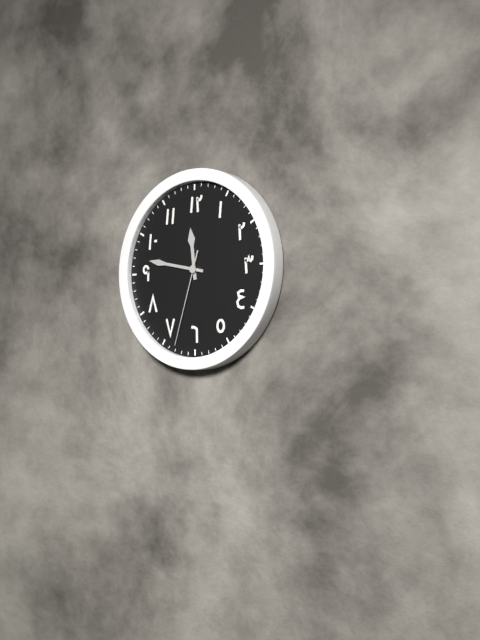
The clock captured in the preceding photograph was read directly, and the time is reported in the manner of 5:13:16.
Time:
11:47:33
